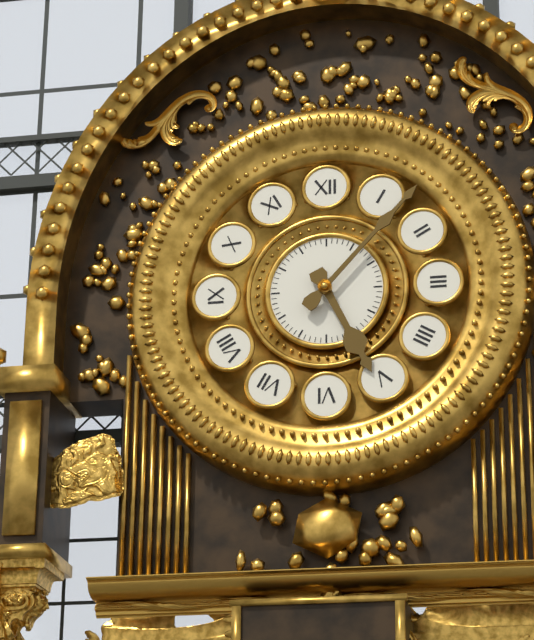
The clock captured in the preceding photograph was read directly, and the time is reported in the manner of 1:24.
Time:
5:07
